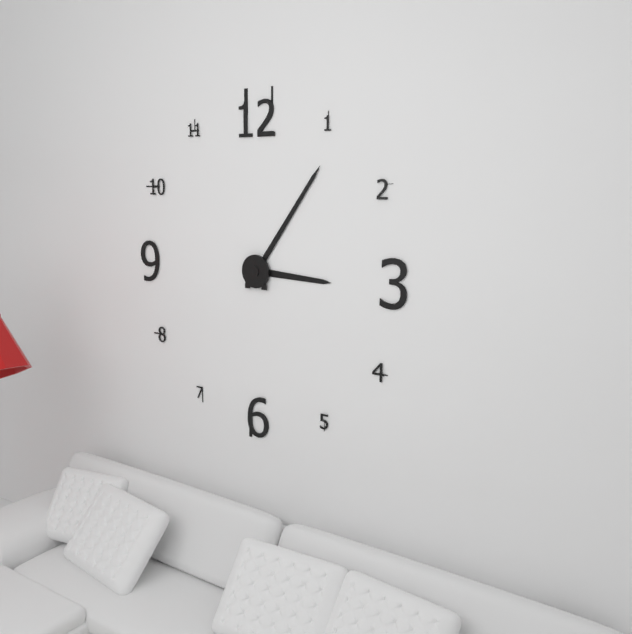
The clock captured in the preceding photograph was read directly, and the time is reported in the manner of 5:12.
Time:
3:06
